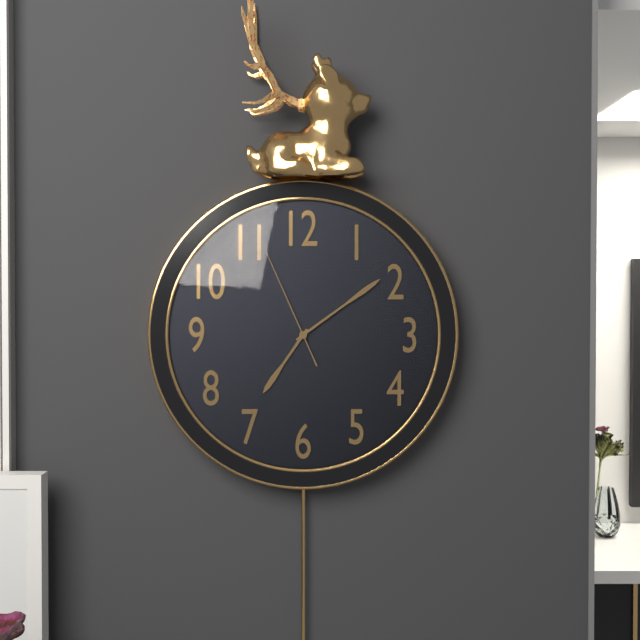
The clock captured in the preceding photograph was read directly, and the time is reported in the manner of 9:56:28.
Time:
7:09:56
